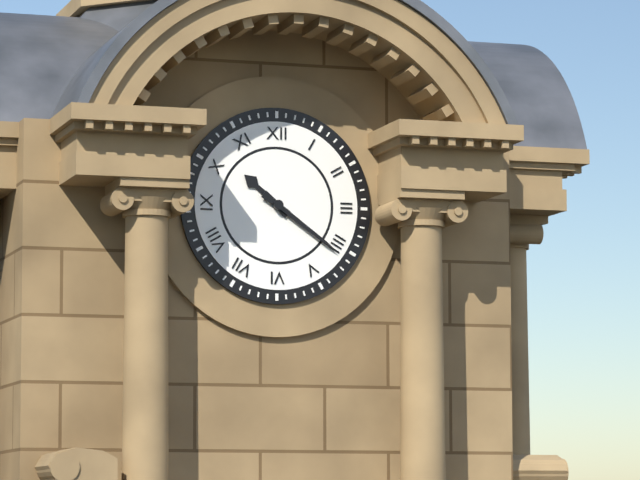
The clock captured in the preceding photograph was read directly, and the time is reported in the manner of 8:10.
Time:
10:21
